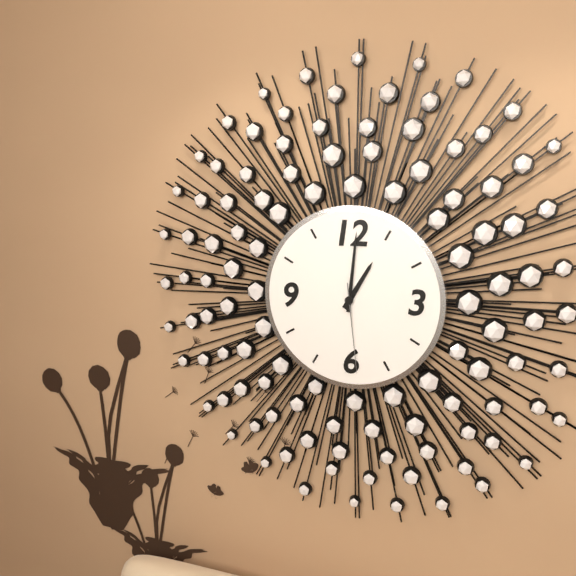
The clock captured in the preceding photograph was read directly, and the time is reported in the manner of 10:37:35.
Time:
1:01:29
